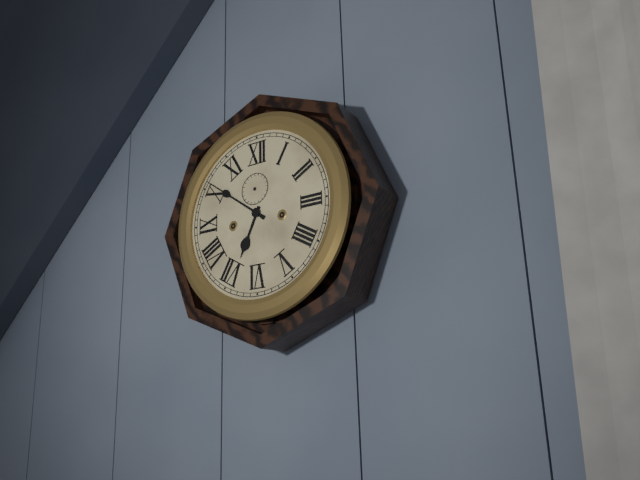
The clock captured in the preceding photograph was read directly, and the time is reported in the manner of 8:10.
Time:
6:51
